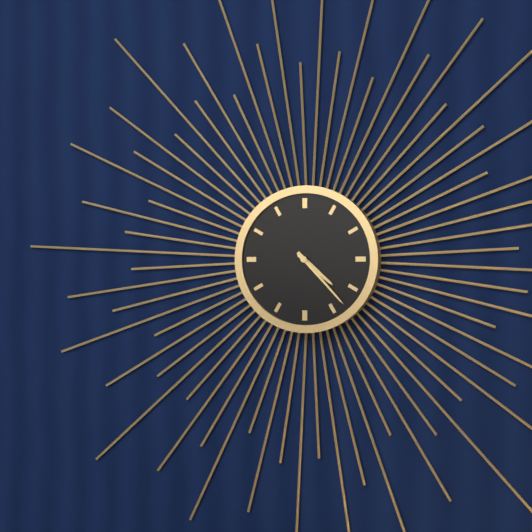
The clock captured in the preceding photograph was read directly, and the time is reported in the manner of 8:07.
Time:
4:23
